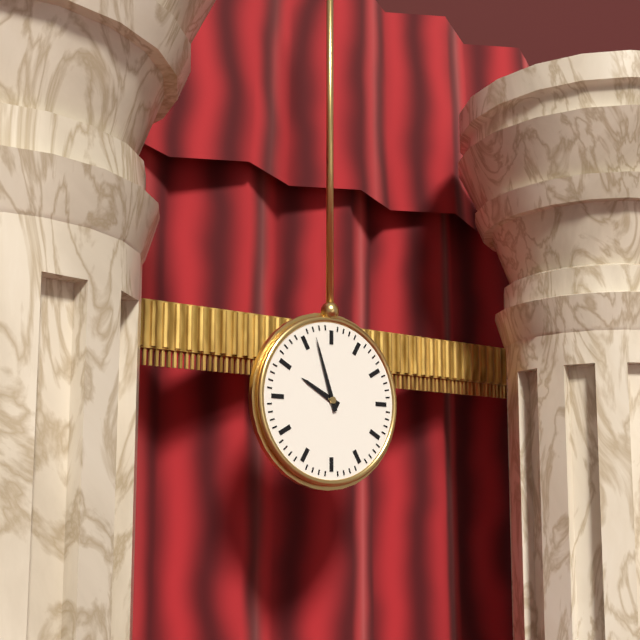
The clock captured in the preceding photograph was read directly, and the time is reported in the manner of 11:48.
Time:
9:57
